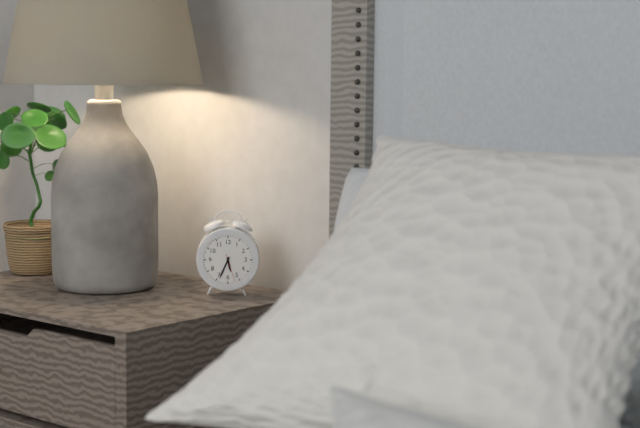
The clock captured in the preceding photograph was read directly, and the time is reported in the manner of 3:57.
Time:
5:34
